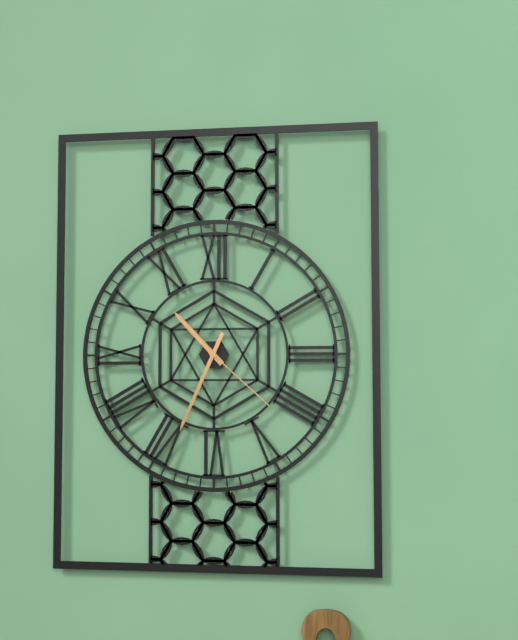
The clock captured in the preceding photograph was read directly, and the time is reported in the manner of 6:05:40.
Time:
10:34:22
